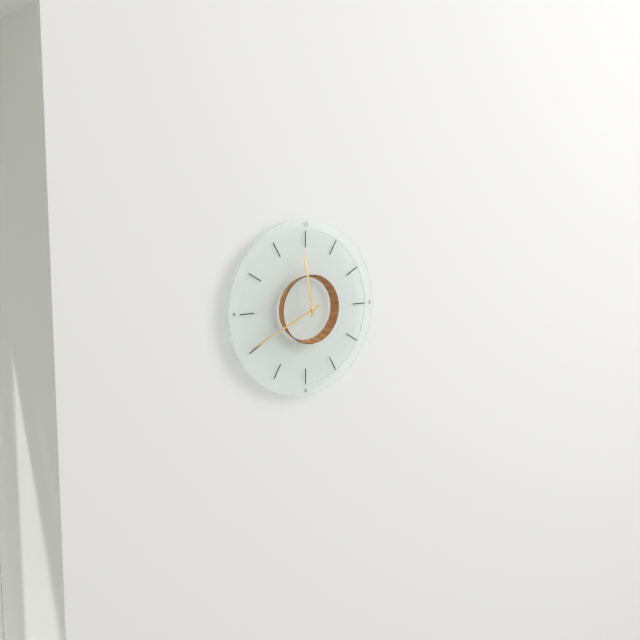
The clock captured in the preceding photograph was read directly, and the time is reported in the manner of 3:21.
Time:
11:41
